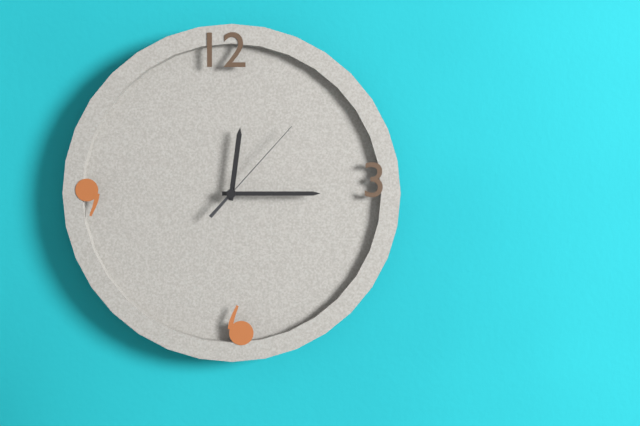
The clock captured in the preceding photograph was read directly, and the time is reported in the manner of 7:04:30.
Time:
12:15:07
